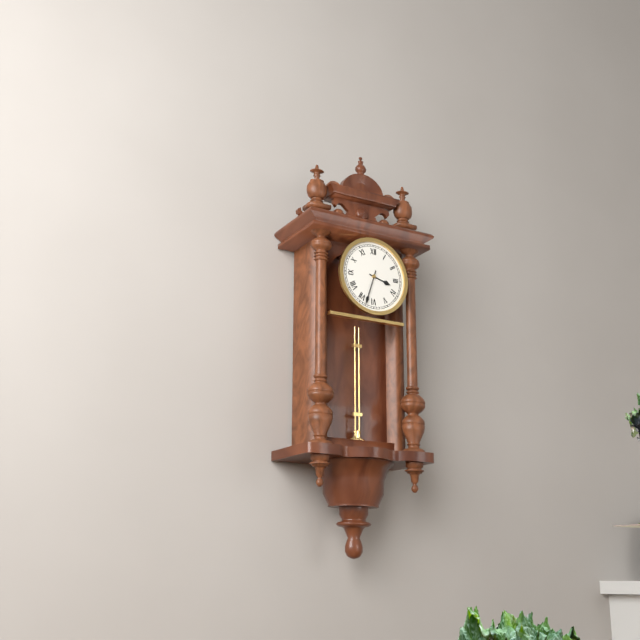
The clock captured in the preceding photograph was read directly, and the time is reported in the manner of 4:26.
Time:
3:33
